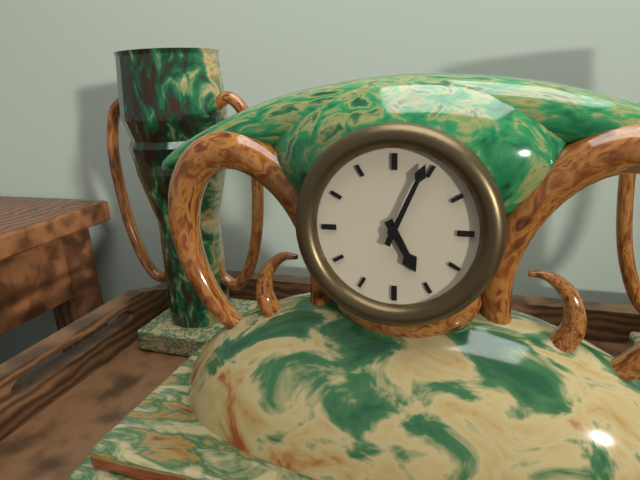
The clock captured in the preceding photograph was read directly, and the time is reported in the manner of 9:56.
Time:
5:04
